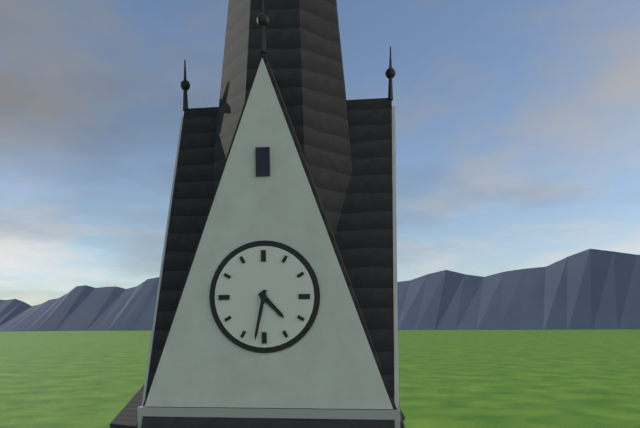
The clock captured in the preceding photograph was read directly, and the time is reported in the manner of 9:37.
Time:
4:32
